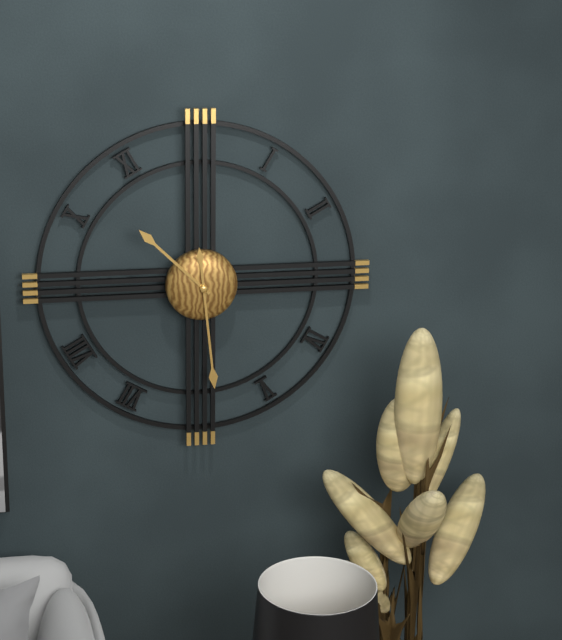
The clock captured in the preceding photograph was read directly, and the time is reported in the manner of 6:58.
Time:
10:29
